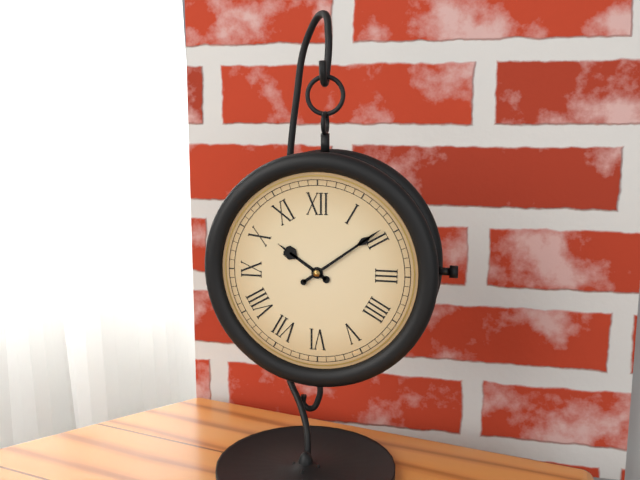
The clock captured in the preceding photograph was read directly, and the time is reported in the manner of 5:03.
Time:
10:09
